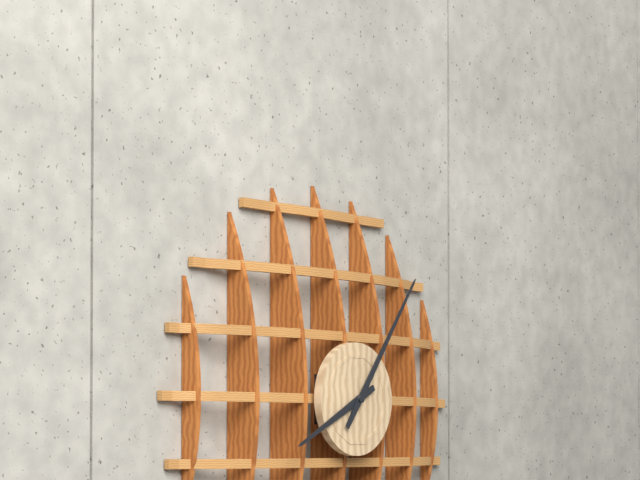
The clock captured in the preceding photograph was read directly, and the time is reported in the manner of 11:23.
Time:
8:06
